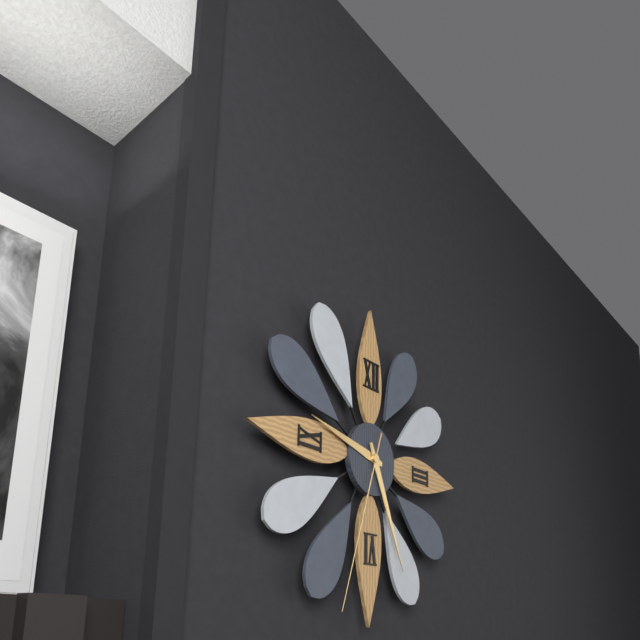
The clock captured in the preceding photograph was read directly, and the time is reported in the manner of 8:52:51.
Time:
9:26:33
